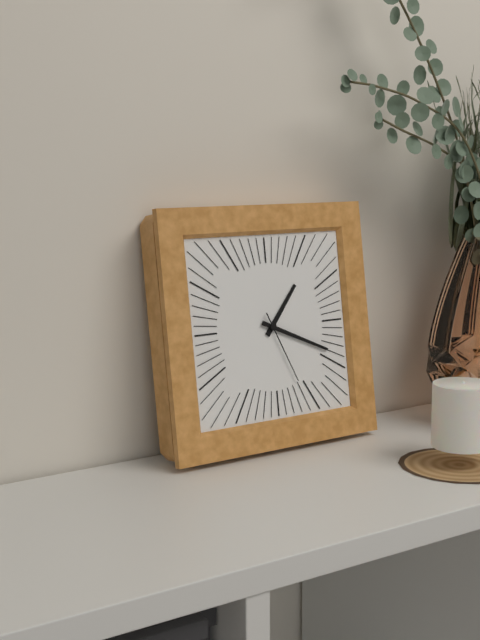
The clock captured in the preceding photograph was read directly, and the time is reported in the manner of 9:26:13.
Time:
1:19:26
